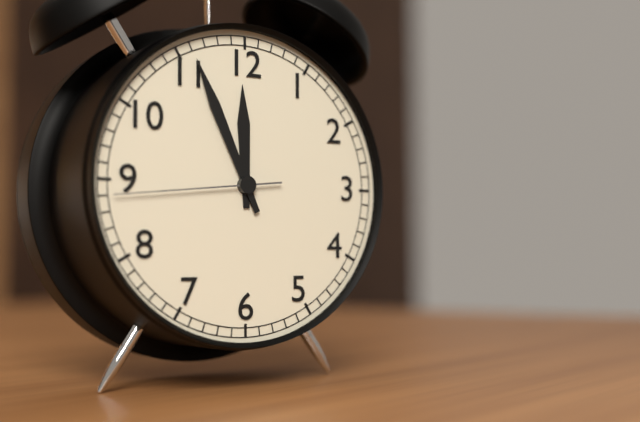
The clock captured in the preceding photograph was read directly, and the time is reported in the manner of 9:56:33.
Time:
11:56:44
